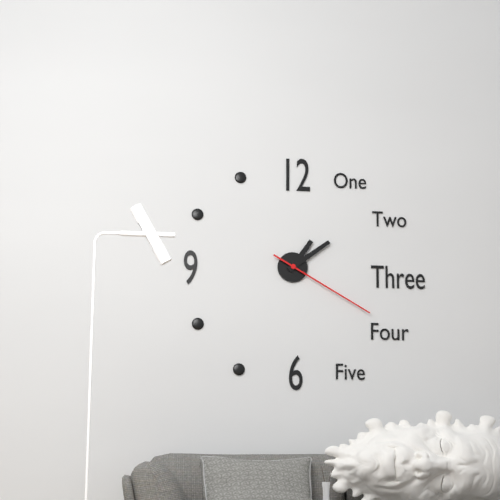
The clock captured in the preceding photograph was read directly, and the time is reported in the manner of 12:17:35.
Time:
1:09:20
